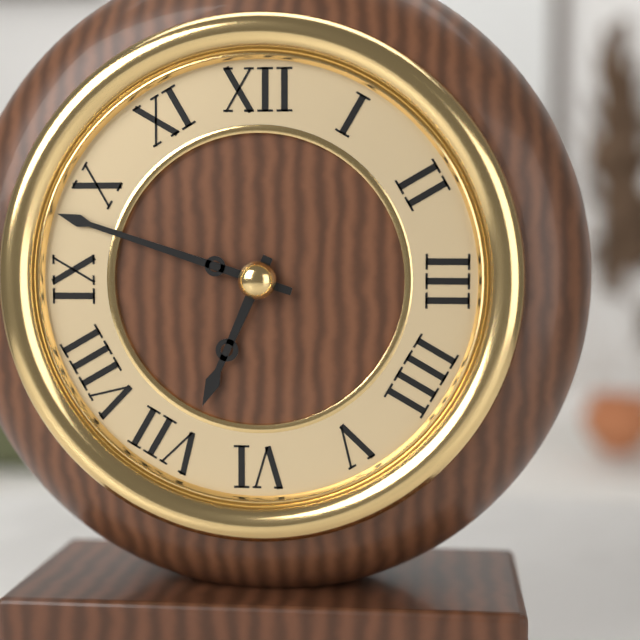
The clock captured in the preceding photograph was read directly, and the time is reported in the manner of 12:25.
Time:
6:48
